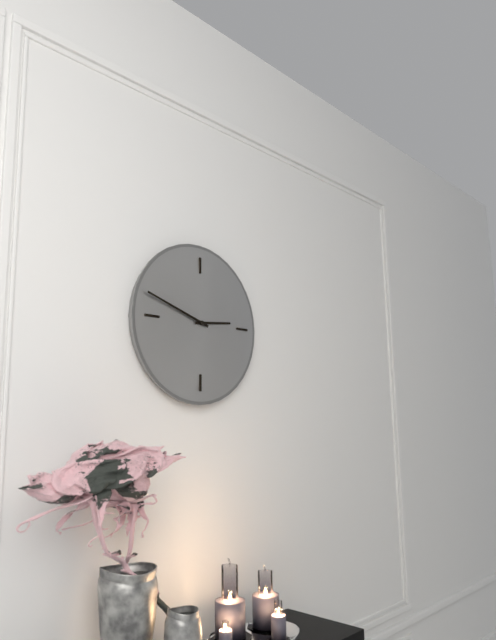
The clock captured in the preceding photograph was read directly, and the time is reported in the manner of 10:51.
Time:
2:48
